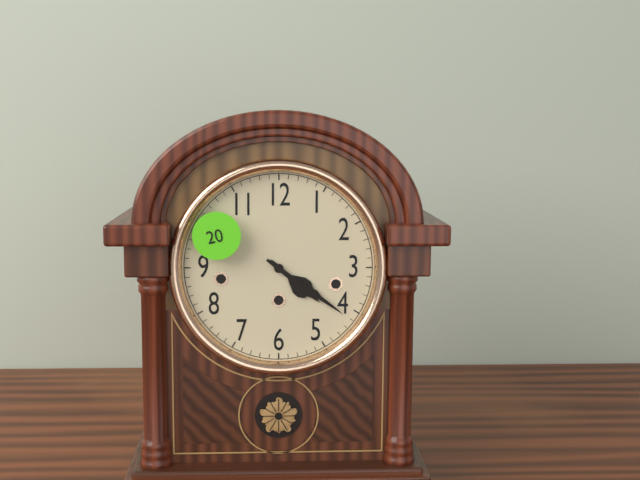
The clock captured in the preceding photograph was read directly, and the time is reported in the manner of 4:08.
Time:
4:21
